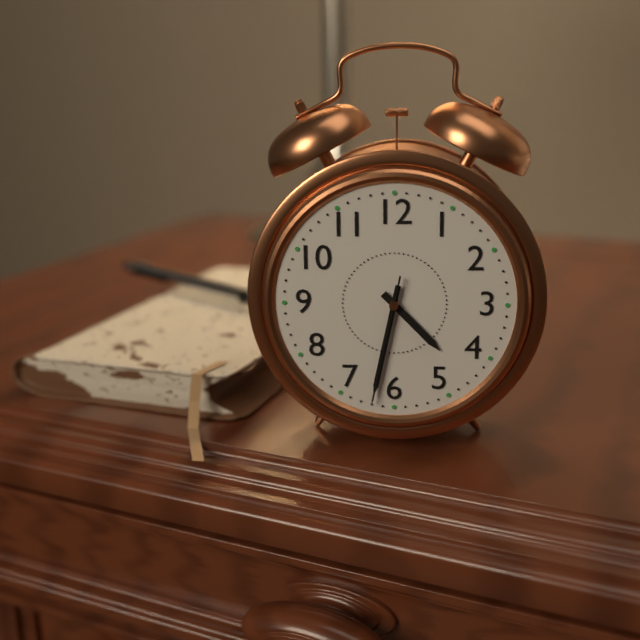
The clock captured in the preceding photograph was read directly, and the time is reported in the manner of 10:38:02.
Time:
4:32:32
